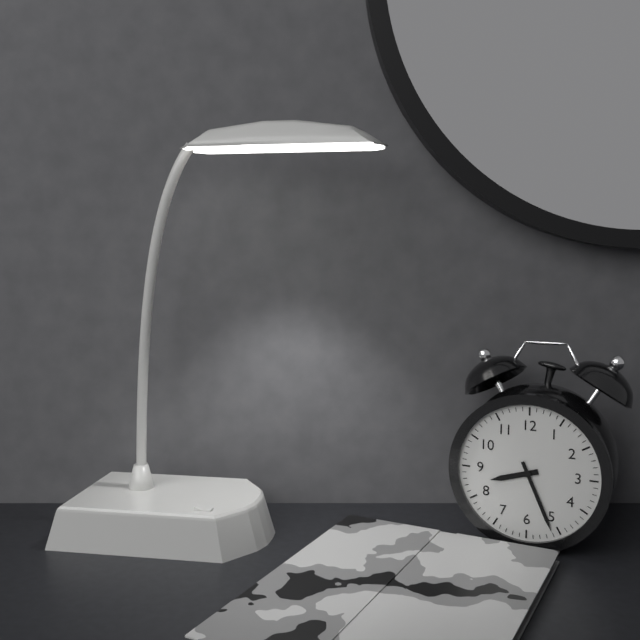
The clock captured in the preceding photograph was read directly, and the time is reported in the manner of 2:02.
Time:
8:26
